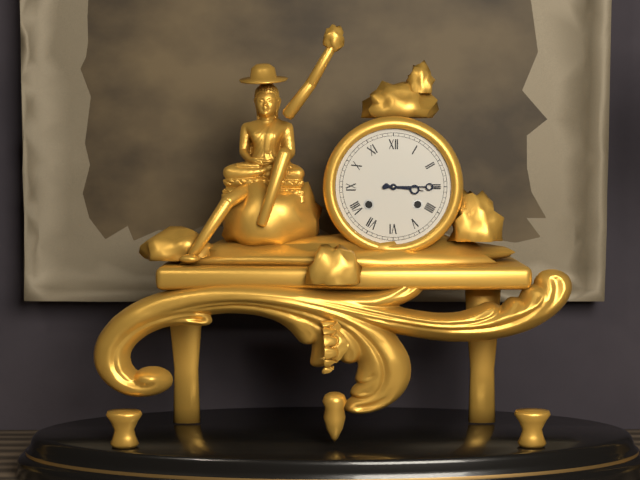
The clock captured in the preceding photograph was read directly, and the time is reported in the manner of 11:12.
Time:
3:15
